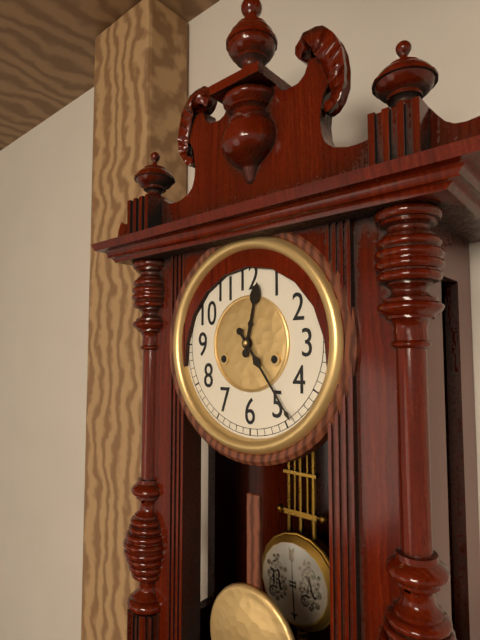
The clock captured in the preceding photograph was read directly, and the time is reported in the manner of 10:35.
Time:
12:24
